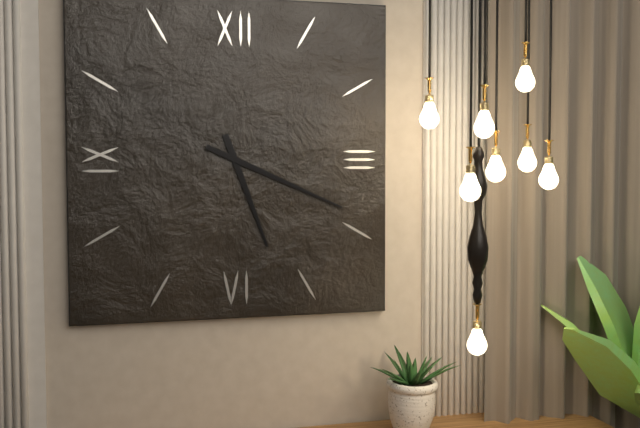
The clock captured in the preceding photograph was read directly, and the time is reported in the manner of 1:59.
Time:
5:19
